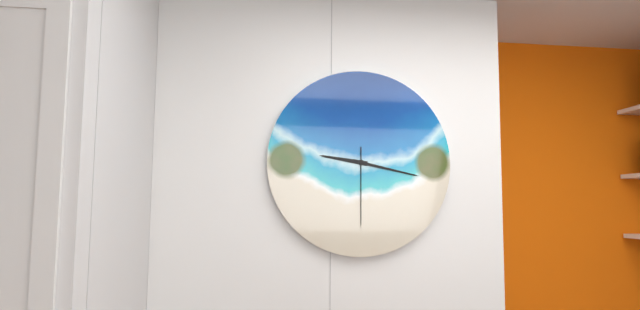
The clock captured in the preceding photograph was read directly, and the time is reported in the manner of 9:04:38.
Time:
9:17:30
